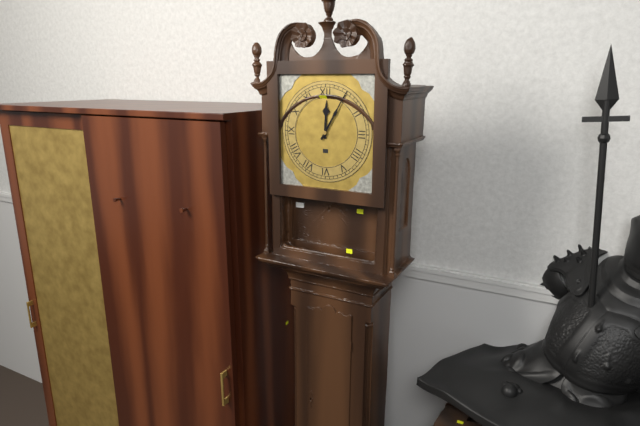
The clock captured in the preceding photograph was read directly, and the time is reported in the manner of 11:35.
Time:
12:05
